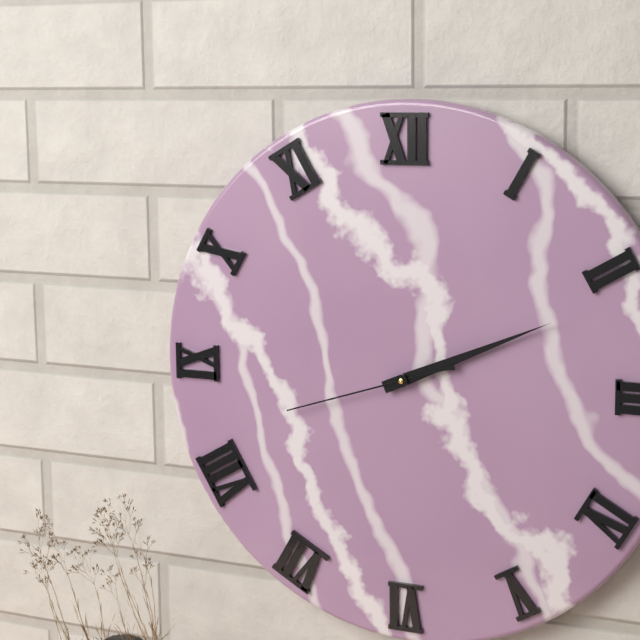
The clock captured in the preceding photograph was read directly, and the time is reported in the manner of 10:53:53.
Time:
2:11:42
